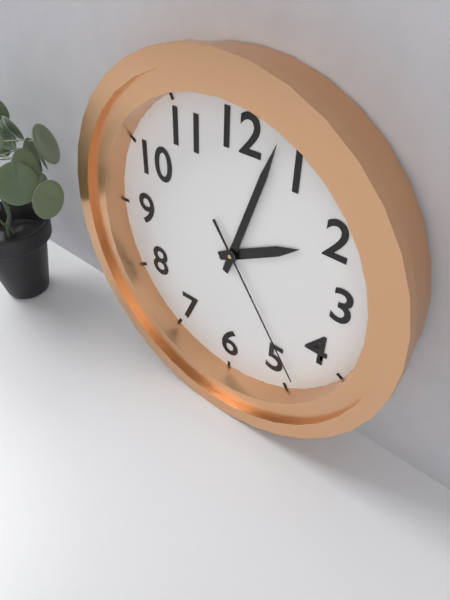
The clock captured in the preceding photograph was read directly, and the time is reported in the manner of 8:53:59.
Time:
2:03:24
